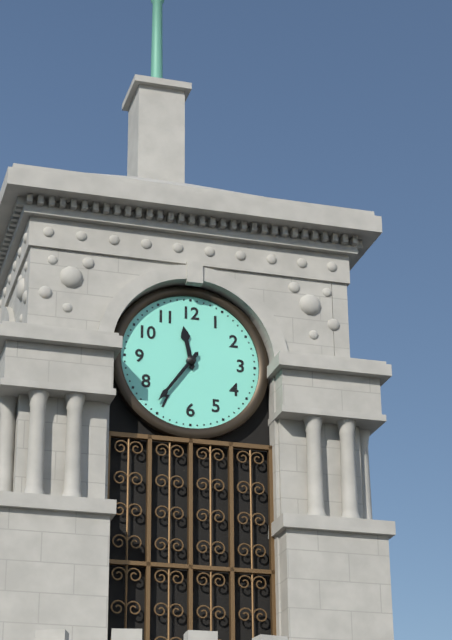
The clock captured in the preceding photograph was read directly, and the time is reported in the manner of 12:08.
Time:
11:36
